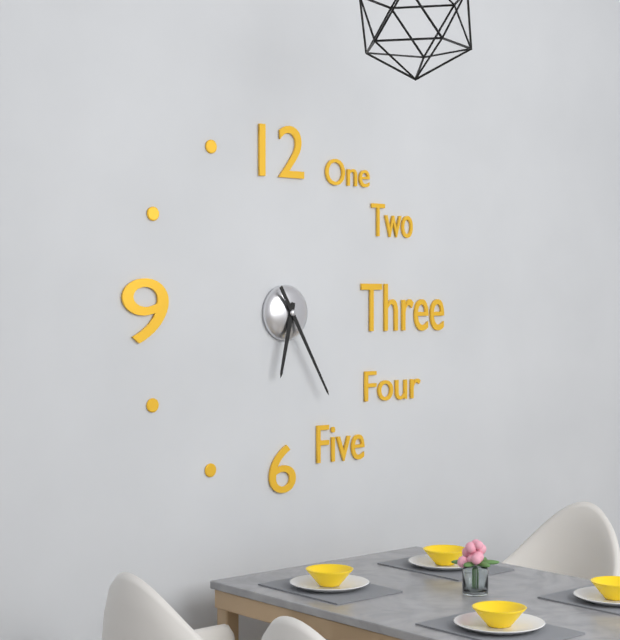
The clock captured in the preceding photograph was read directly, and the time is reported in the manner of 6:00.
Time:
6:25
